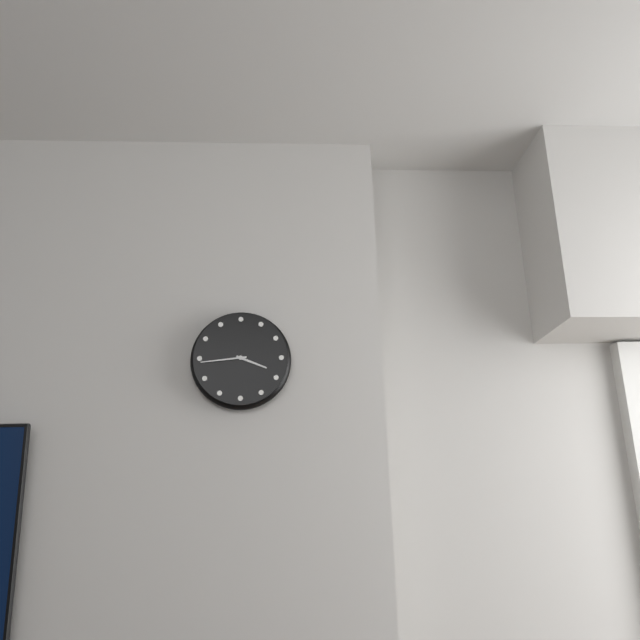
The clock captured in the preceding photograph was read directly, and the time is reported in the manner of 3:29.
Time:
3:44
